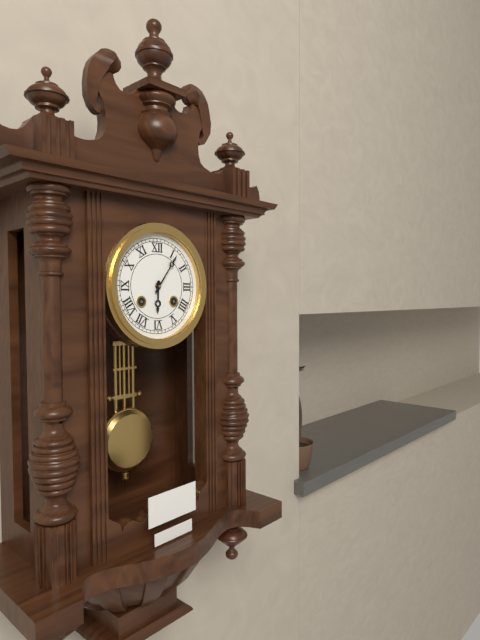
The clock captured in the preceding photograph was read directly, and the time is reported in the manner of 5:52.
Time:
6:06
